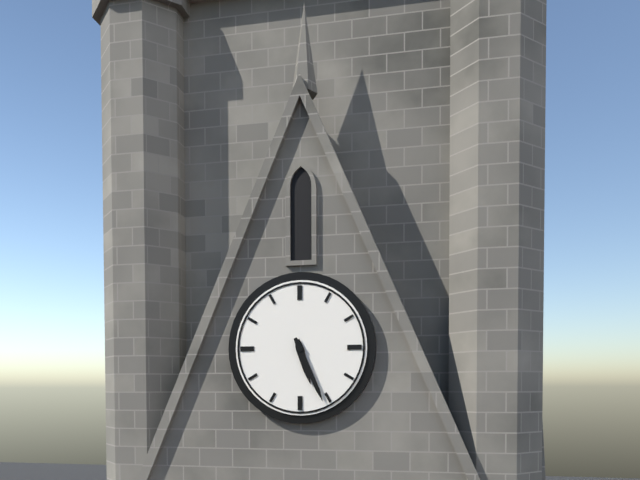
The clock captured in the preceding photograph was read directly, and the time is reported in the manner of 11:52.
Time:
5:26
